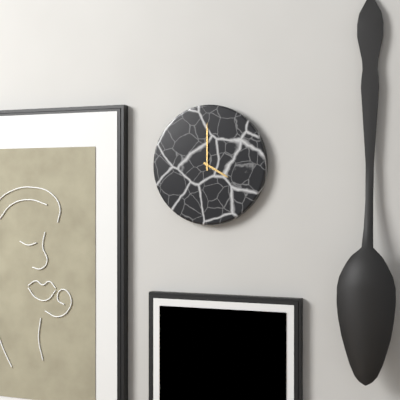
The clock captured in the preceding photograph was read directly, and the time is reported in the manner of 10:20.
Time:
4:00
